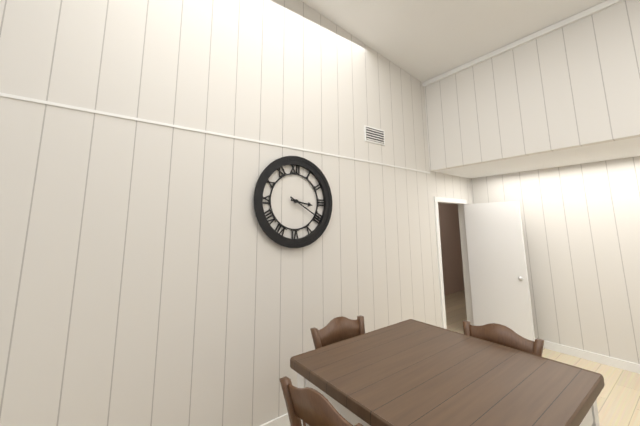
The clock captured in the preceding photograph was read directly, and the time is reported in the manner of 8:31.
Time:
3:20
